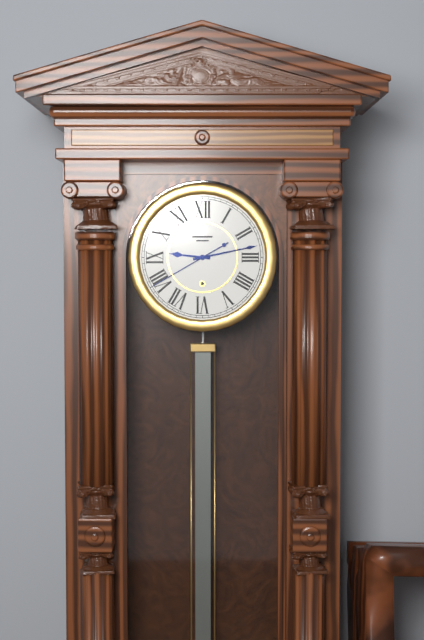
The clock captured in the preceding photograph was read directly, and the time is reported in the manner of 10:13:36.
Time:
9:13:40
